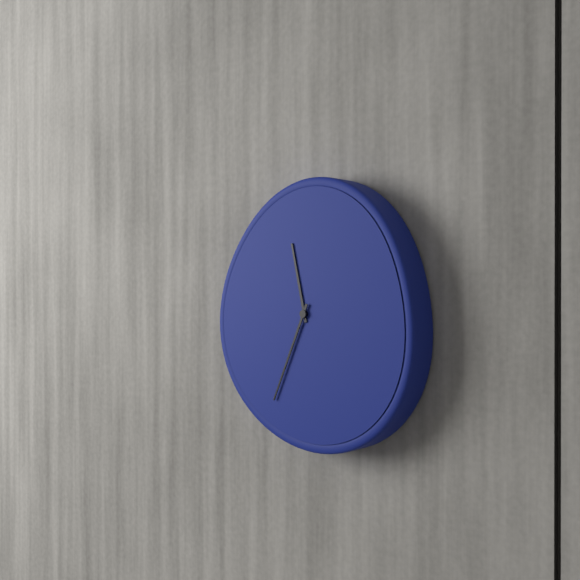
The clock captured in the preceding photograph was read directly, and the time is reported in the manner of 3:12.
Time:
11:34
